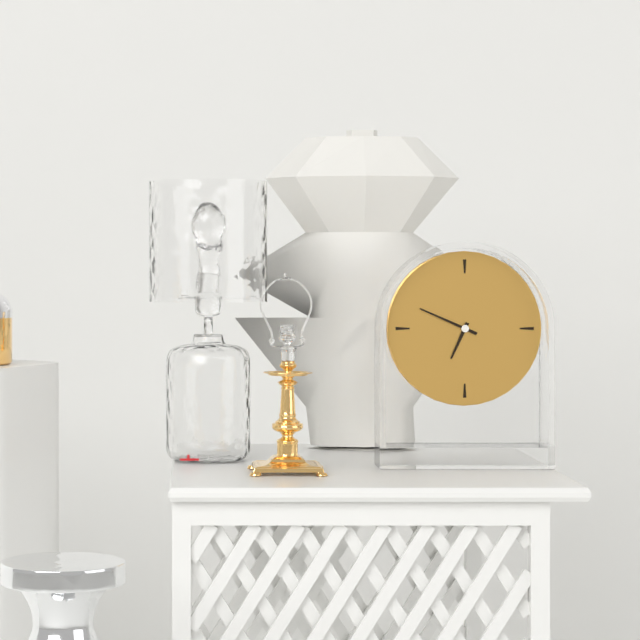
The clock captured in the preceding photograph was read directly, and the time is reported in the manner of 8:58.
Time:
6:49
